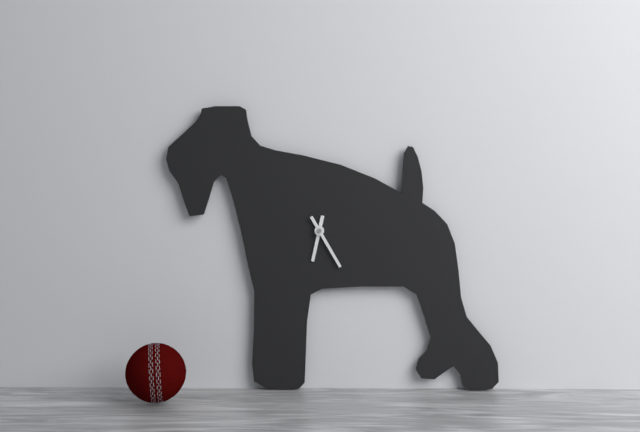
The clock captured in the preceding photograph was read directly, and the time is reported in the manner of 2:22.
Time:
6:25
